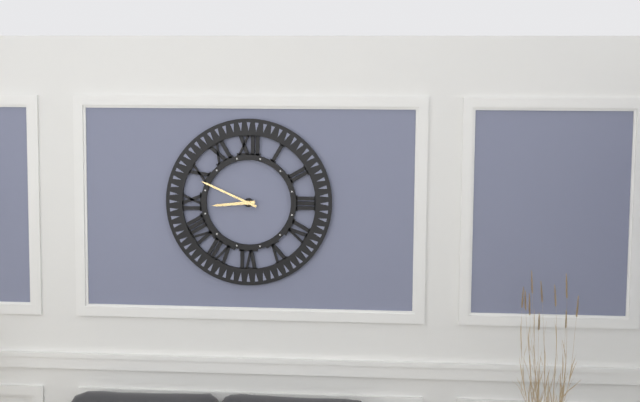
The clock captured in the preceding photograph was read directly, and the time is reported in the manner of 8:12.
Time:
8:49
